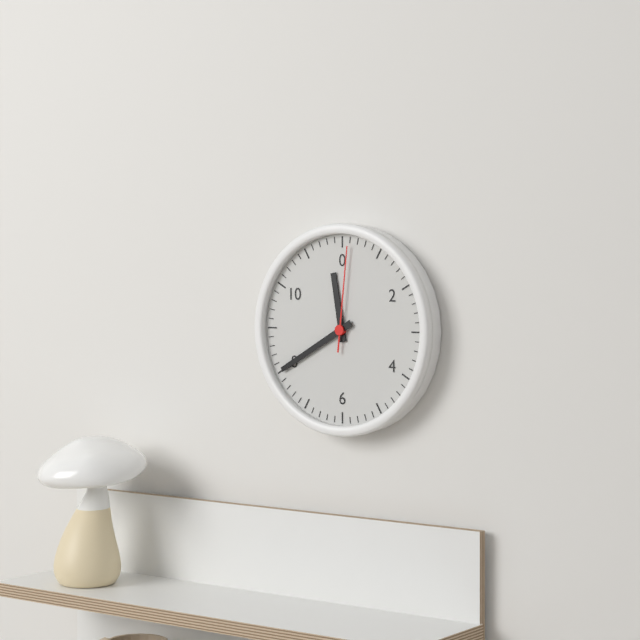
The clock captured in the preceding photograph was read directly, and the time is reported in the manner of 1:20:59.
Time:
11:40:01
